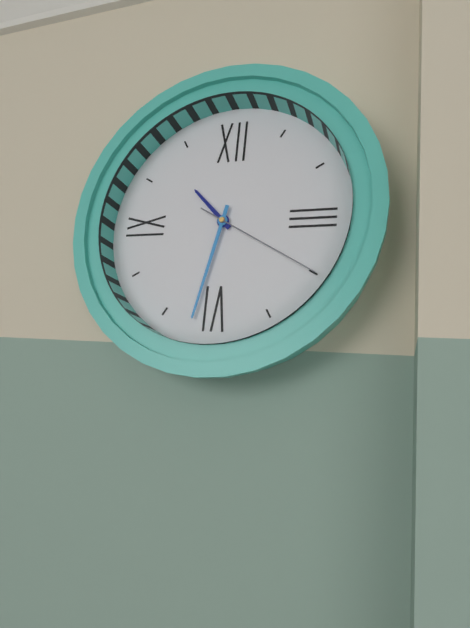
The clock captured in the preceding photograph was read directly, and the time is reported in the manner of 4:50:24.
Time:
10:32:20
